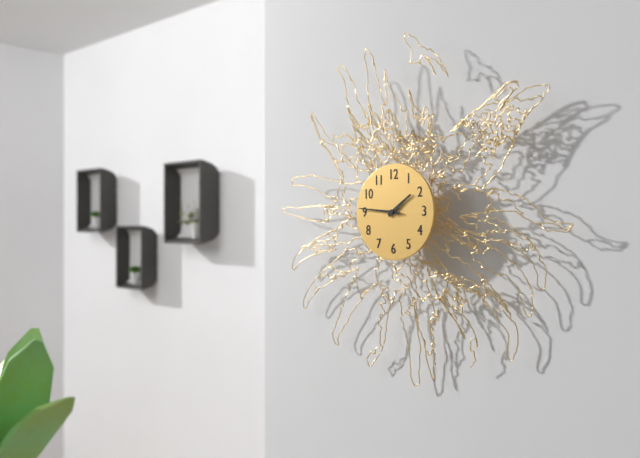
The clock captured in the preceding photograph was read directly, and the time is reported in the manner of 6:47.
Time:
1:46
